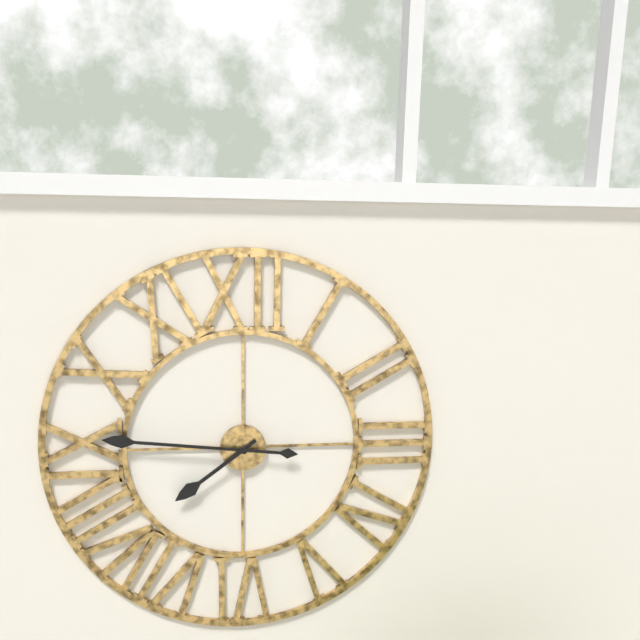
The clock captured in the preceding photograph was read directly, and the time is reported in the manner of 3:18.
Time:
7:46
